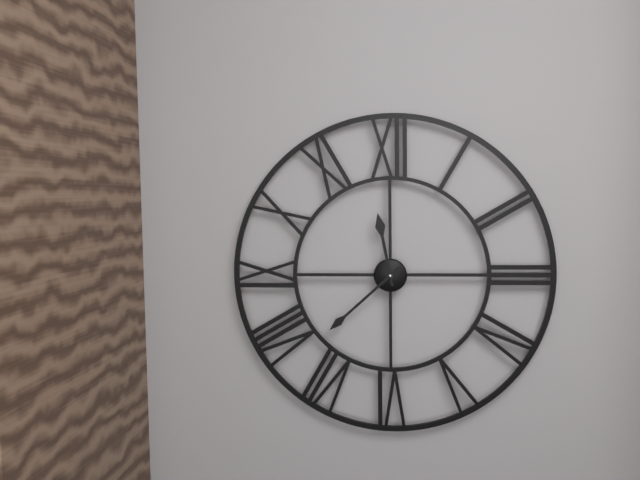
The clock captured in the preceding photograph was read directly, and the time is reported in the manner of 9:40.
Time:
11:38
